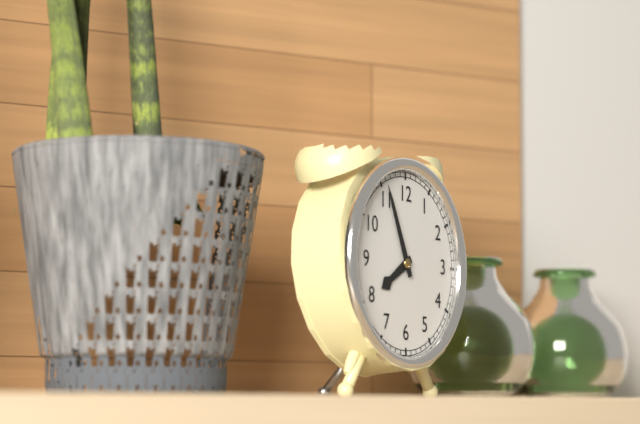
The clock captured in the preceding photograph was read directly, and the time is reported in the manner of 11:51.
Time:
7:56
